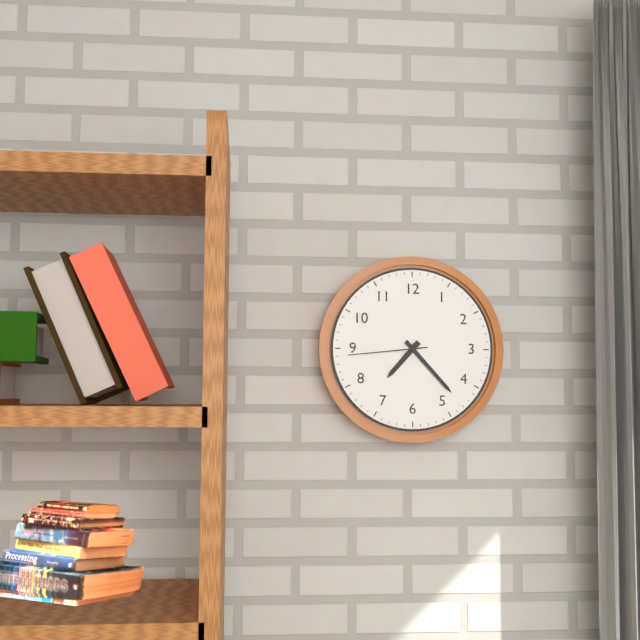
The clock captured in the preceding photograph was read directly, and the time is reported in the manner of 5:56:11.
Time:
7:23:44
